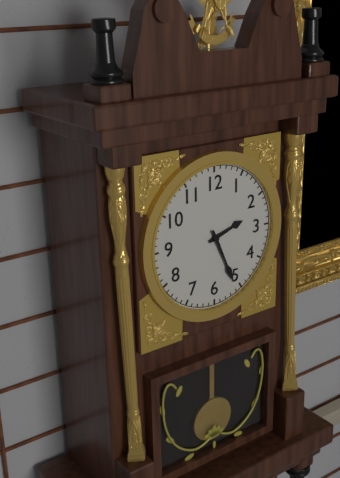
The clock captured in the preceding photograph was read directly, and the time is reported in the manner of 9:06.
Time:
2:26
